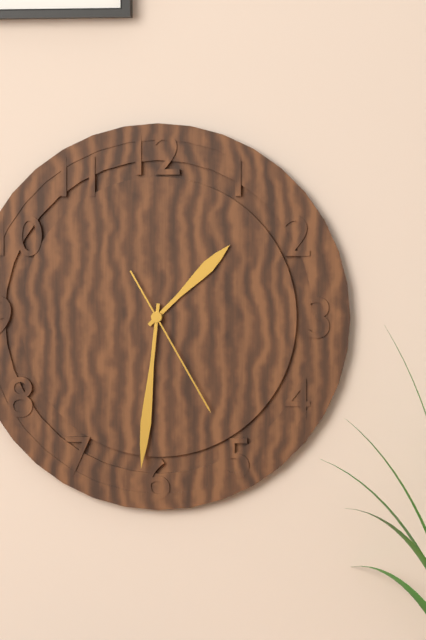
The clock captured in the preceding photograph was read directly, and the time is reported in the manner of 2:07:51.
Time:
1:31:25
